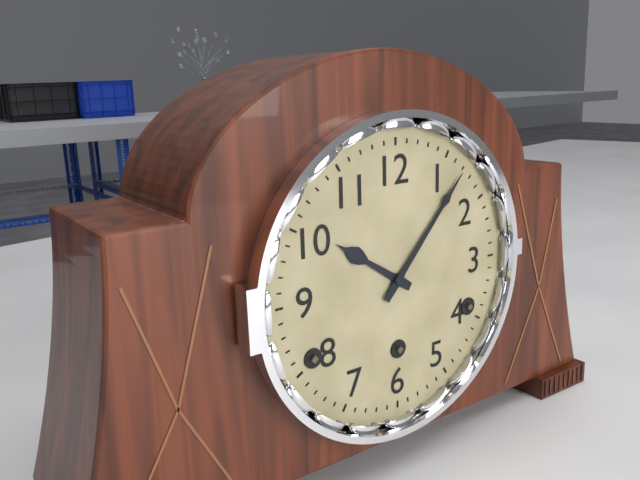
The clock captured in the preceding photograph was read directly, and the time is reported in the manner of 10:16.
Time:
10:07
